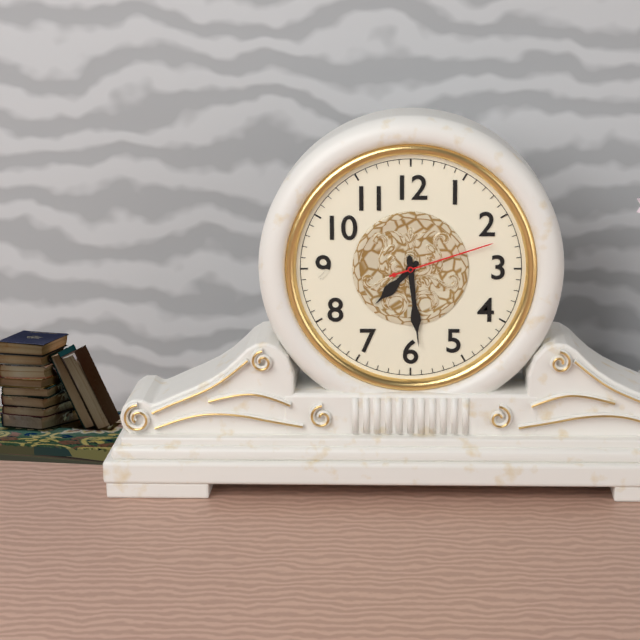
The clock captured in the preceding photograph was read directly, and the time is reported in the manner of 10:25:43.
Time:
7:29:12
